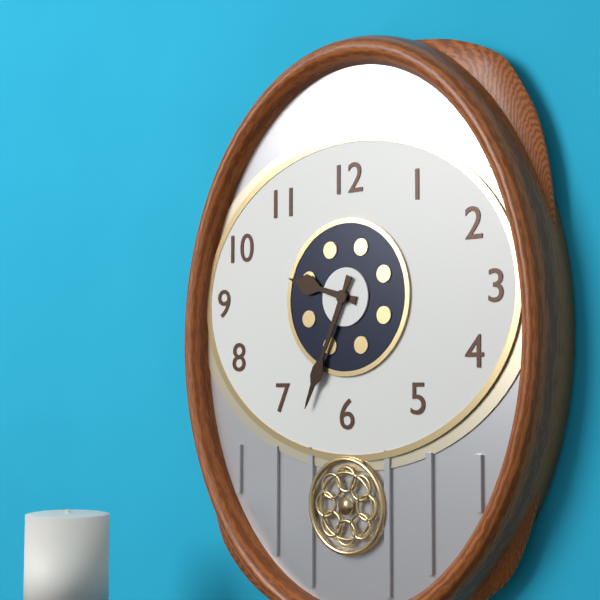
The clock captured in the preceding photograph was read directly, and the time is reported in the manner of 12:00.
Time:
9:34
